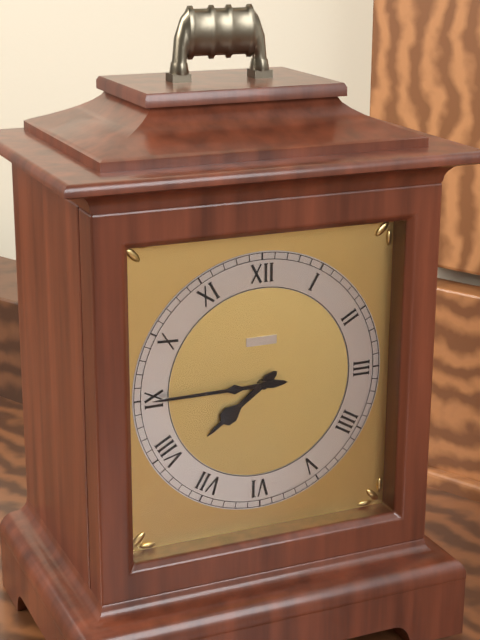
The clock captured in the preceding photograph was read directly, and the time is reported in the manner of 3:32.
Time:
7:45
